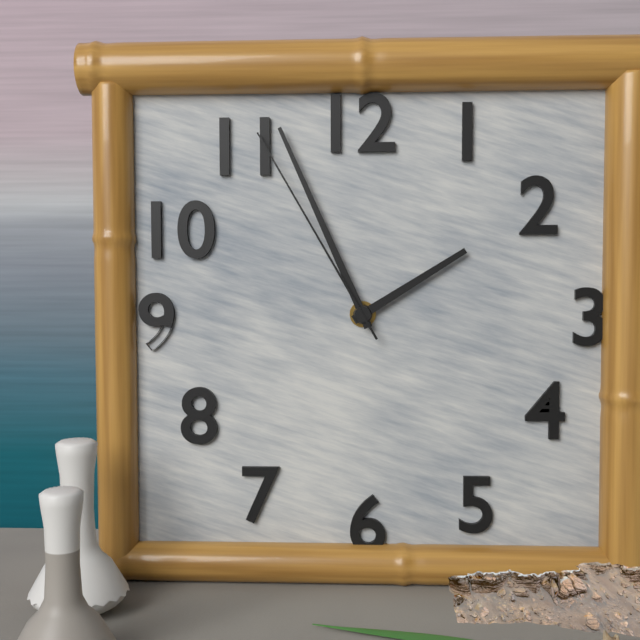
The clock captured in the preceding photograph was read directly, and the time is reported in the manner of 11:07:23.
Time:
1:56:55
